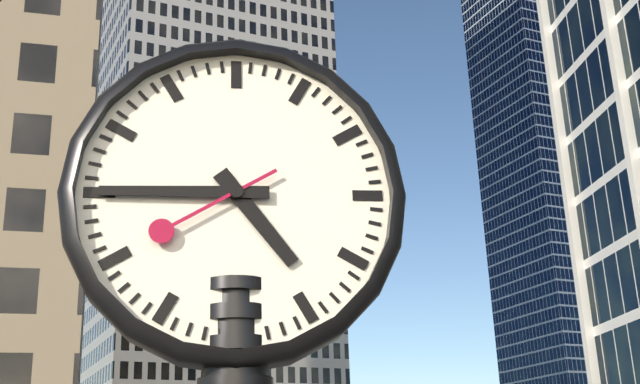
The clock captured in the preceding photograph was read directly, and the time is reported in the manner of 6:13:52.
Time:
4:45:40
